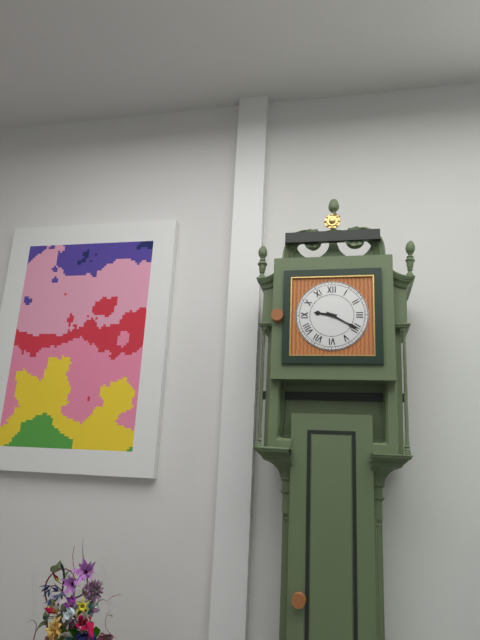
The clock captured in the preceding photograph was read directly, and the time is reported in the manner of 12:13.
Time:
9:20
